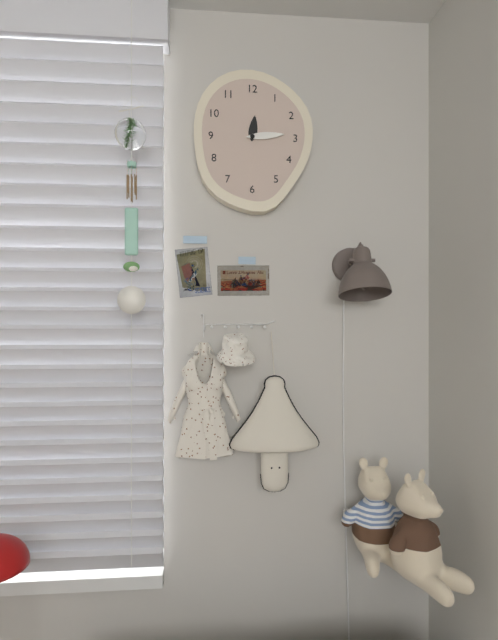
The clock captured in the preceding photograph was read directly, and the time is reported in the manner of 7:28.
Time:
12:14
